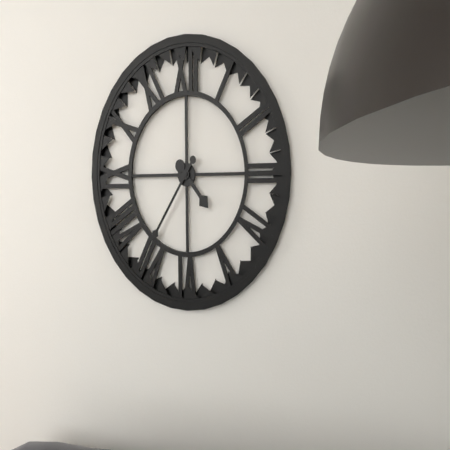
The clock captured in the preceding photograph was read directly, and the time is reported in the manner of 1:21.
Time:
4:36
